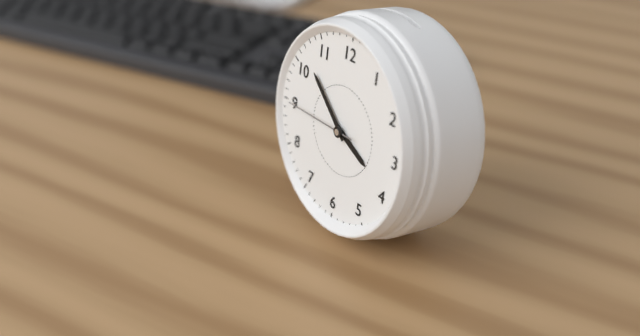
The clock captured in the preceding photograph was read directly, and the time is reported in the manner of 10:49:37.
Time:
3:52:45
